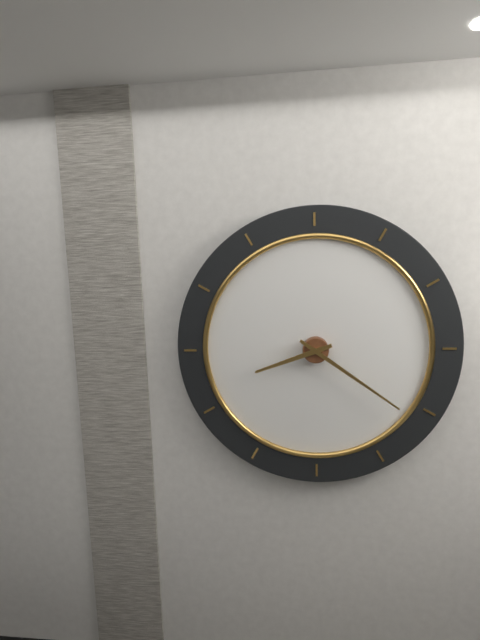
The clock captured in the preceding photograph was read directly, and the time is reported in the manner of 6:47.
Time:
8:21
